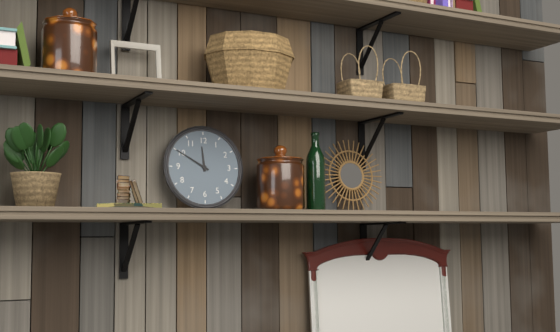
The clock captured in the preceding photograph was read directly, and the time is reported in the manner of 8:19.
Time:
11:50
